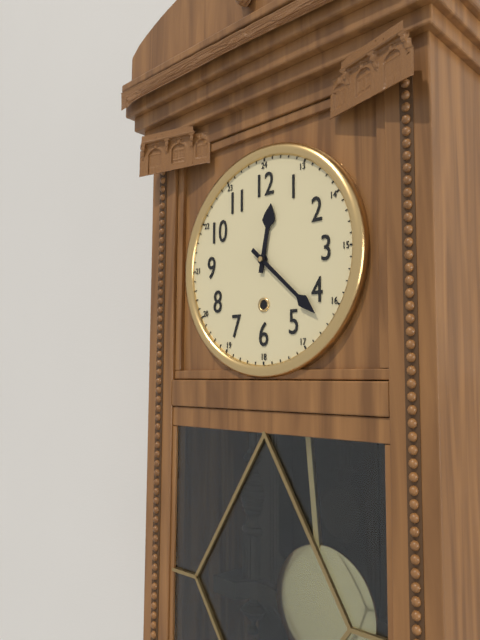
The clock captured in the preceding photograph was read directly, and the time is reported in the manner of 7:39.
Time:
12:22
